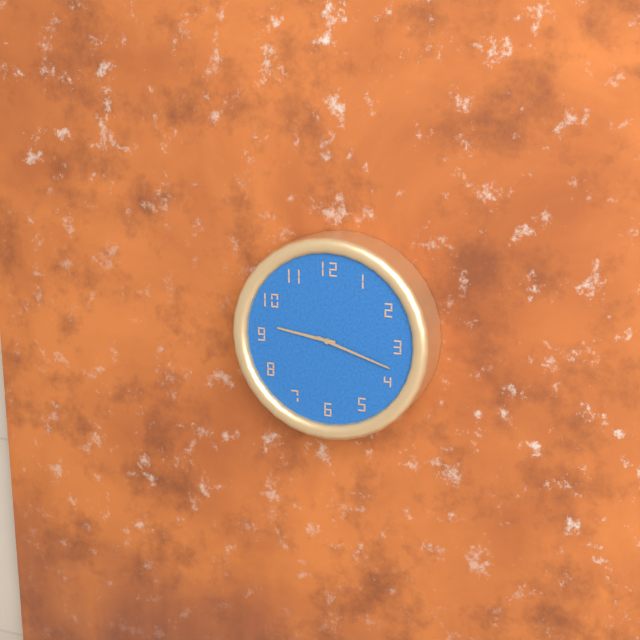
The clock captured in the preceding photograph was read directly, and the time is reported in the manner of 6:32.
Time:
9:18
